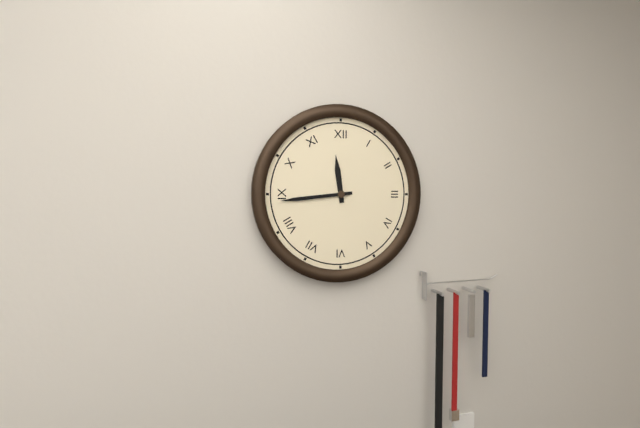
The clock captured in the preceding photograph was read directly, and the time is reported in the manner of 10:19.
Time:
11:44
